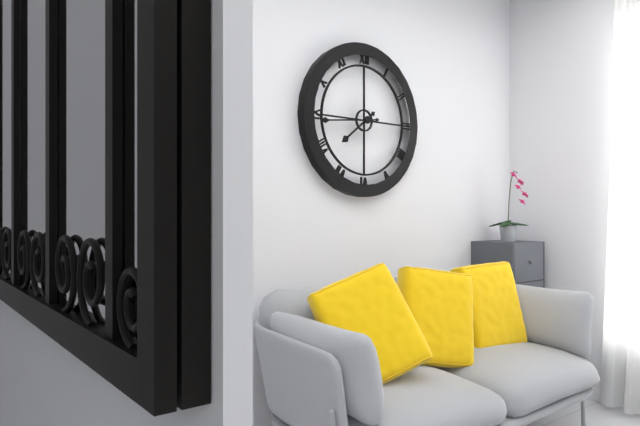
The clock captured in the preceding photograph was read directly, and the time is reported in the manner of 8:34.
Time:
7:44
